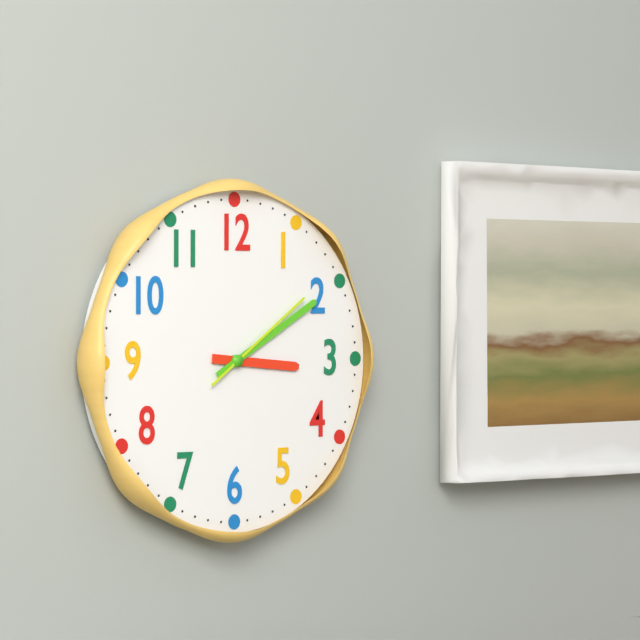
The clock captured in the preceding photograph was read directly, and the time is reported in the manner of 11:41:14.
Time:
3:10:09
